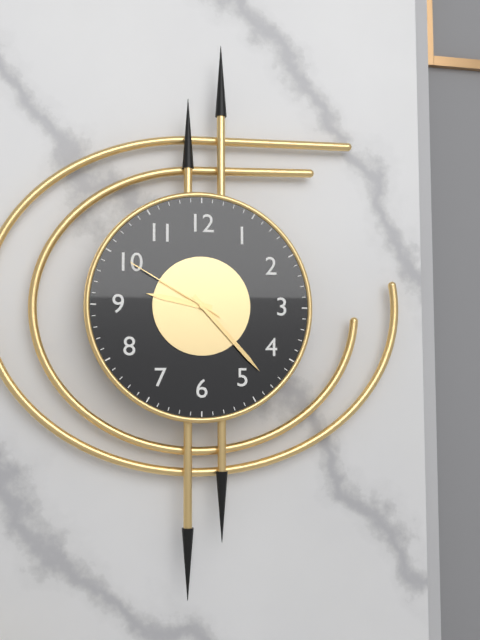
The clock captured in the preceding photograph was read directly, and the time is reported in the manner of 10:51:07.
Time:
9:23:50
